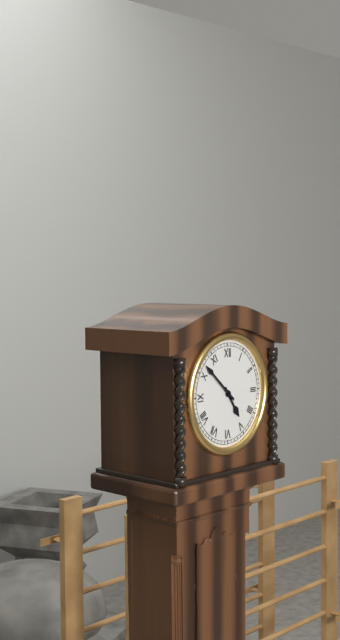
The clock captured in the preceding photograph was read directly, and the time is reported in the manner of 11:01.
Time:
4:52
